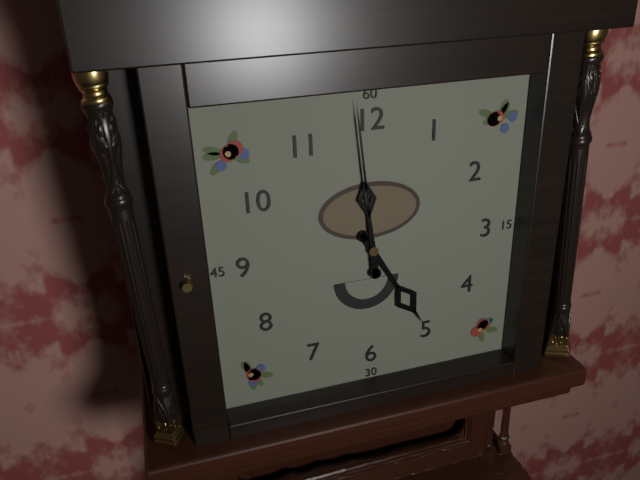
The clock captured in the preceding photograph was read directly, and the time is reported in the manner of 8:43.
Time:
4:59
